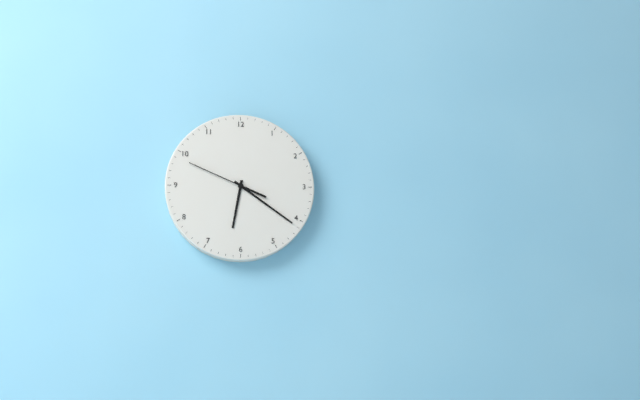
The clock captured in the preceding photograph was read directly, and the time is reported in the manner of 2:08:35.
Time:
6:21:49
